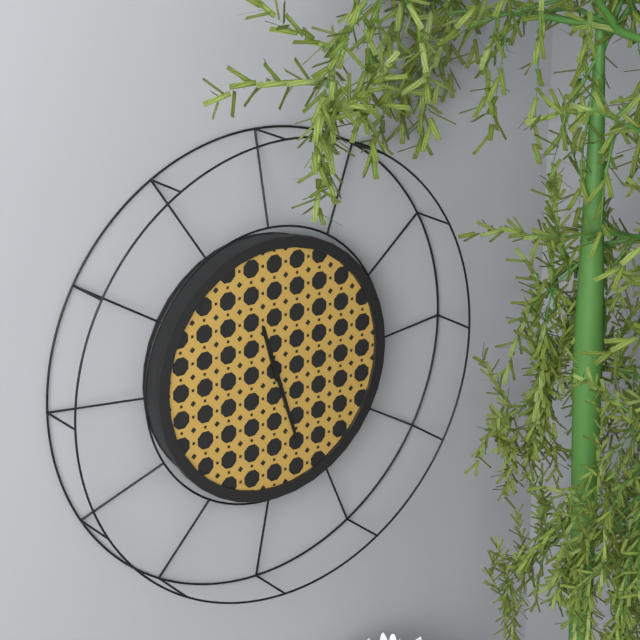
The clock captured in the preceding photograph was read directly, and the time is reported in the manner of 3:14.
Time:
11:27
